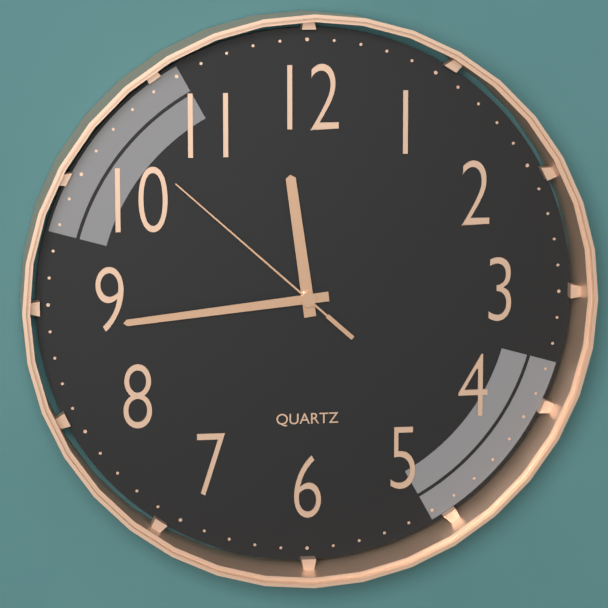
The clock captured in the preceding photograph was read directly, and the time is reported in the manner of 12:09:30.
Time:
11:44:52
